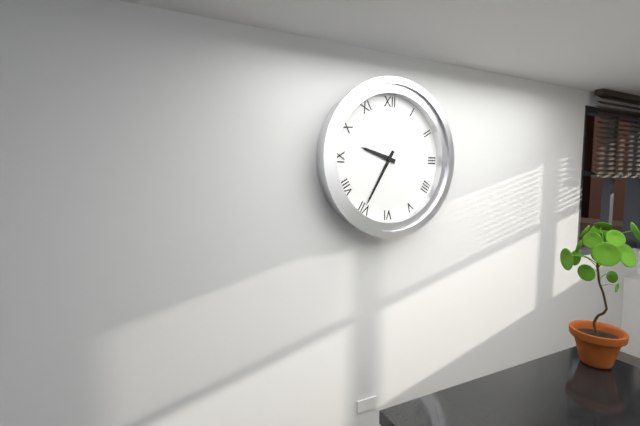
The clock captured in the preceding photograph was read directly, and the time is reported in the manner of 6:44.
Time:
9:35
